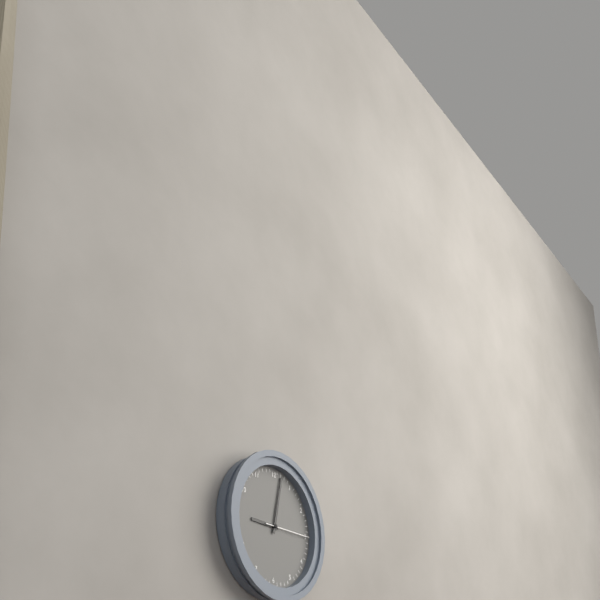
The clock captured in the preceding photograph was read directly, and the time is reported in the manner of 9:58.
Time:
9:02
